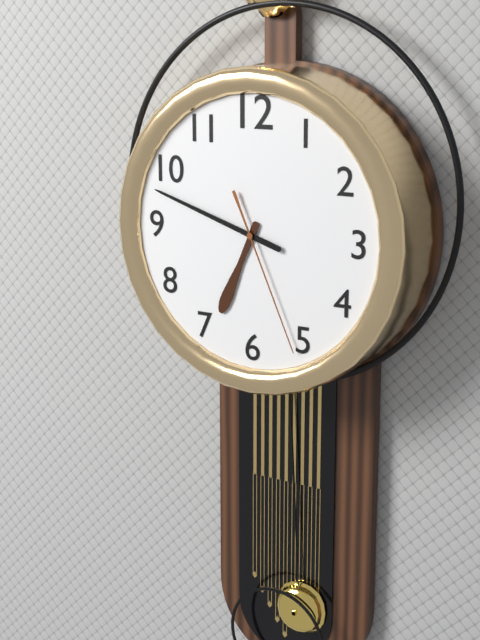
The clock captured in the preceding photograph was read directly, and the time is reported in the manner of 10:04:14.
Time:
6:48:26
